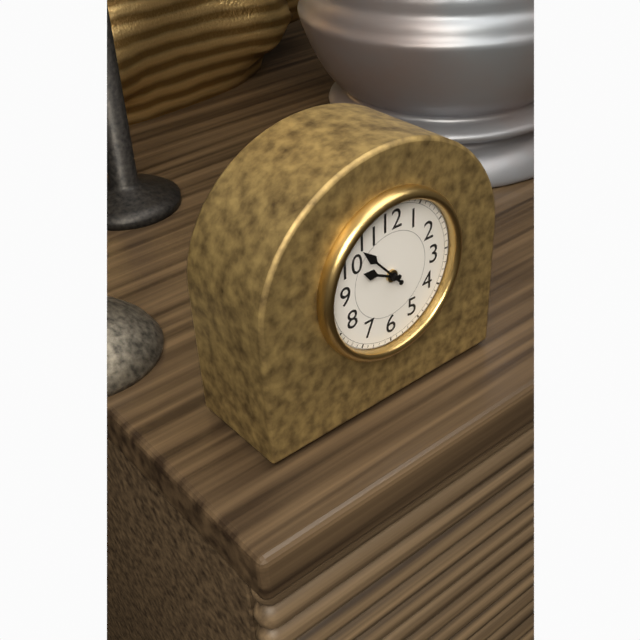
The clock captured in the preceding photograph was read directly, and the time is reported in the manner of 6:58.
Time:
9:53
